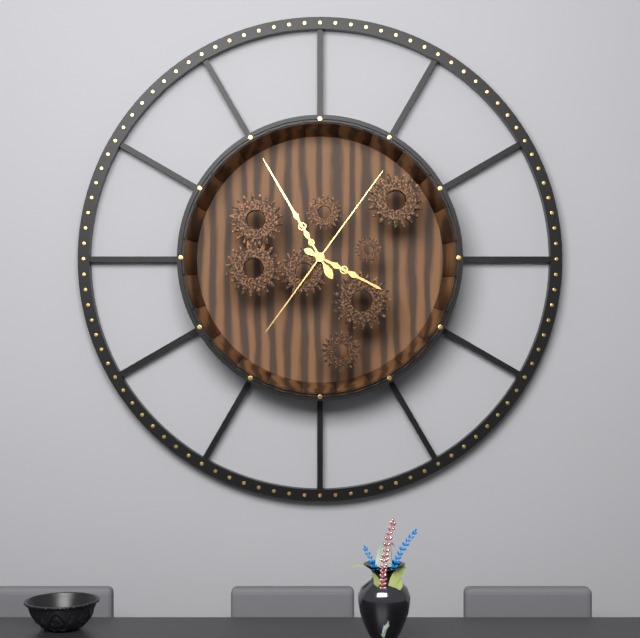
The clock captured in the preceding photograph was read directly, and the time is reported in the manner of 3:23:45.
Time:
3:55:06
